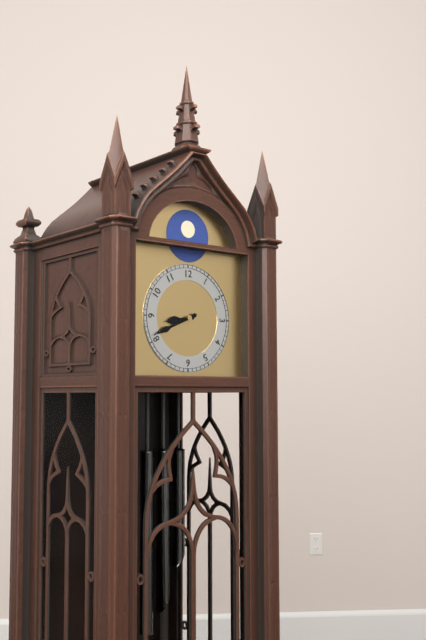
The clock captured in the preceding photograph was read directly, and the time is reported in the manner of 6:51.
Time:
8:41
